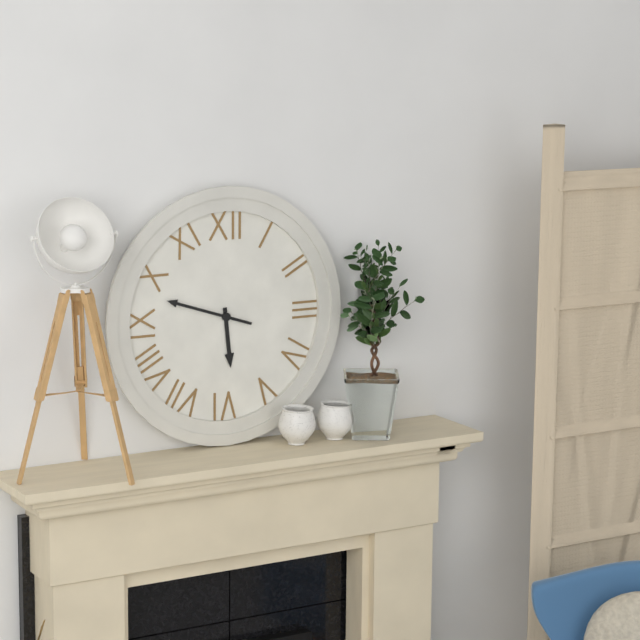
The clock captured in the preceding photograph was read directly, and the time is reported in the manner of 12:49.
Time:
5:48
